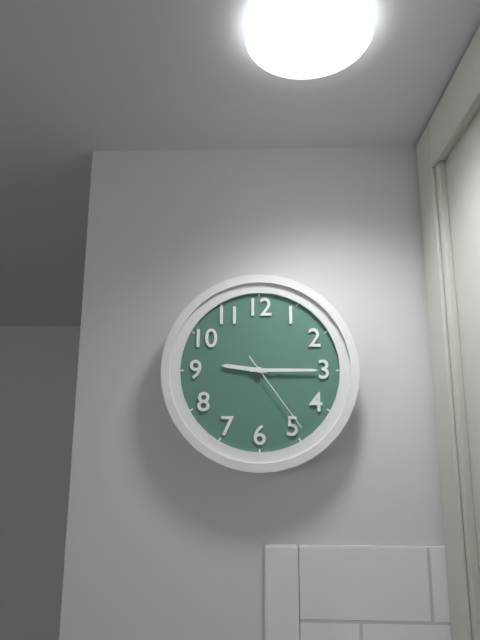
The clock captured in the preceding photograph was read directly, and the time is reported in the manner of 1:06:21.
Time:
9:15:24
